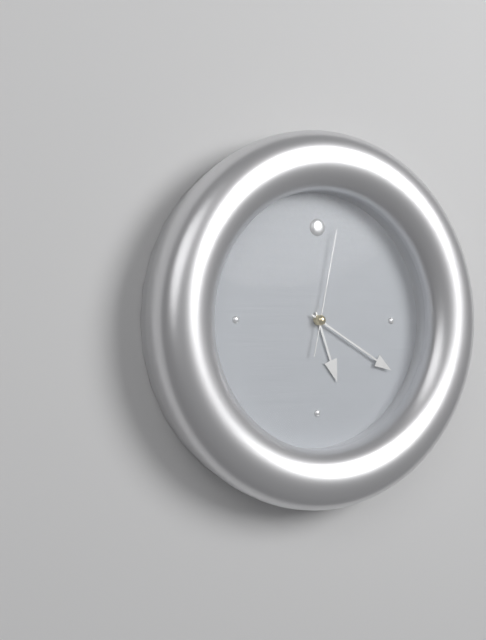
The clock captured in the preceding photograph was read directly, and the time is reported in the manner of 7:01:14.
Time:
5:20:02
